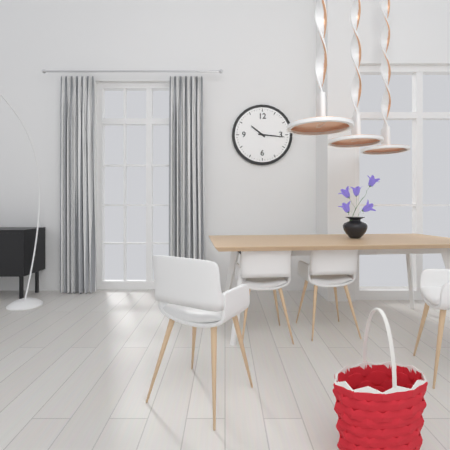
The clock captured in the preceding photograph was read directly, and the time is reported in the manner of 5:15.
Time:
10:16
